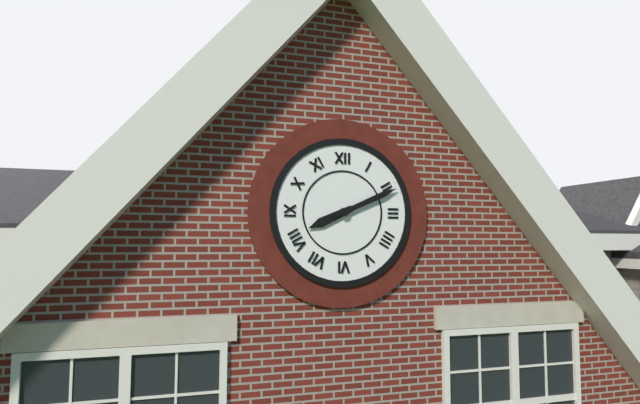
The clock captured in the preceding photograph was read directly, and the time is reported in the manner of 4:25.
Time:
8:11
